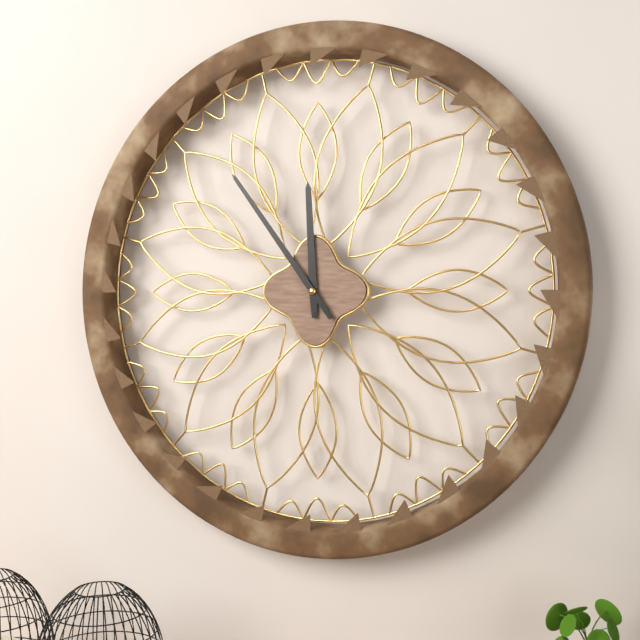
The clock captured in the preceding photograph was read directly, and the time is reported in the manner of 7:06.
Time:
11:54
